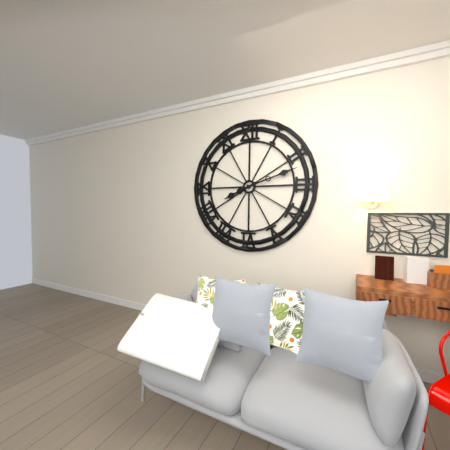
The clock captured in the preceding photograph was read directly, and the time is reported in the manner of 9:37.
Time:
8:12
